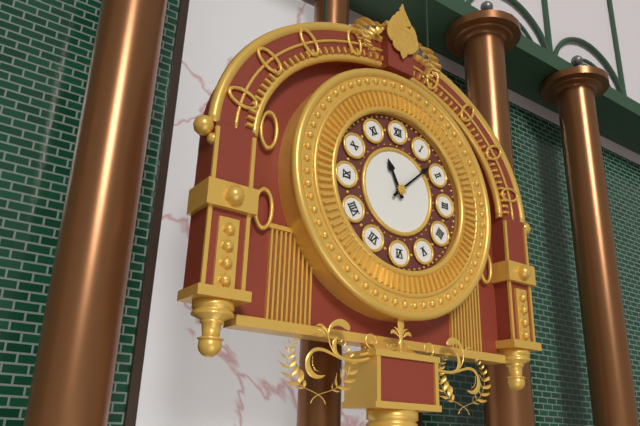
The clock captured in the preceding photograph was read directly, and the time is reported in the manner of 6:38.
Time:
11:08
